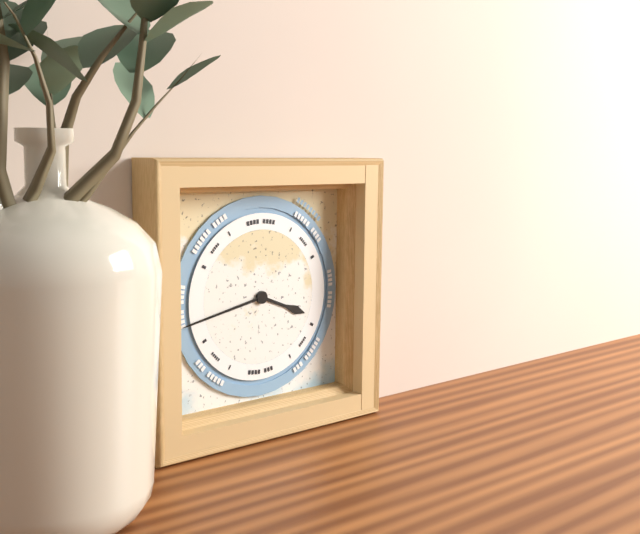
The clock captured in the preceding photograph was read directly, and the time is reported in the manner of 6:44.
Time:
3:43
